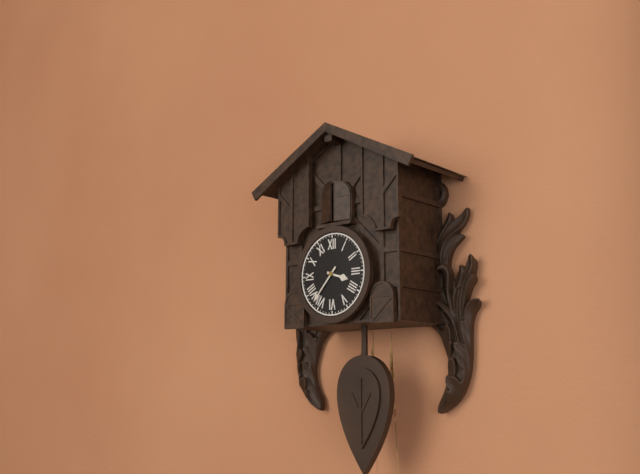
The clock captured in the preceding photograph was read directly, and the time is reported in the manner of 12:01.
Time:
3:37
